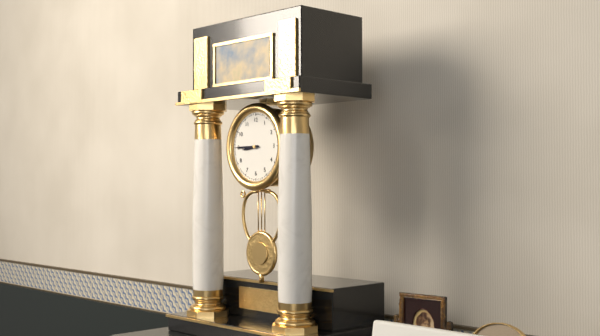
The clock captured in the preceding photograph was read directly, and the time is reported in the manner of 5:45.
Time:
8:45
